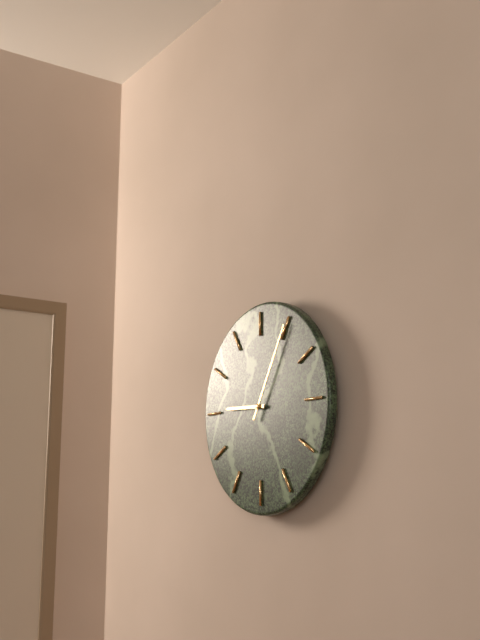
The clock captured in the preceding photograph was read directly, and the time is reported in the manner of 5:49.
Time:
9:05
